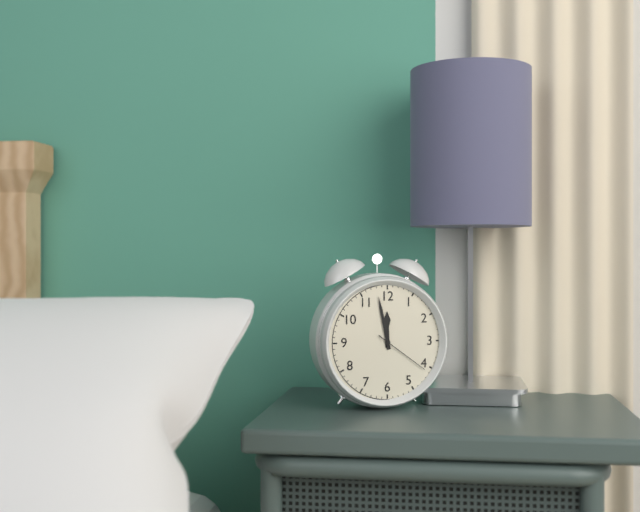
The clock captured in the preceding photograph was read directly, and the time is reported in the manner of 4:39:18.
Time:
11:58:21
